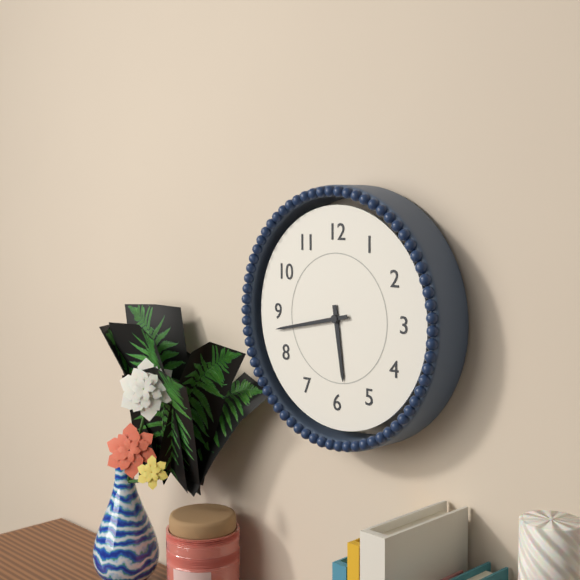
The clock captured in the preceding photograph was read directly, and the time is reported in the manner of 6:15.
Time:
5:43
